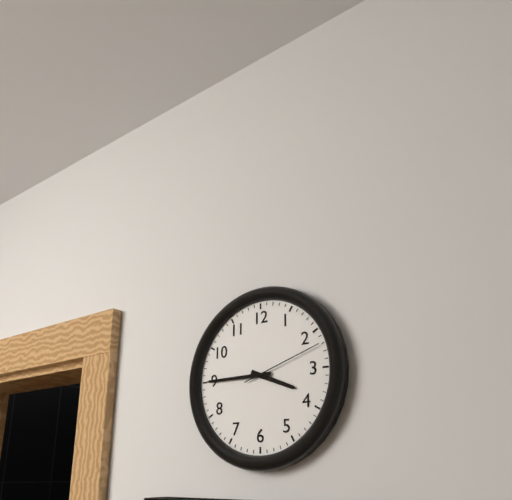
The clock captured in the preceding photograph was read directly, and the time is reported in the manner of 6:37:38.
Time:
3:45:12
